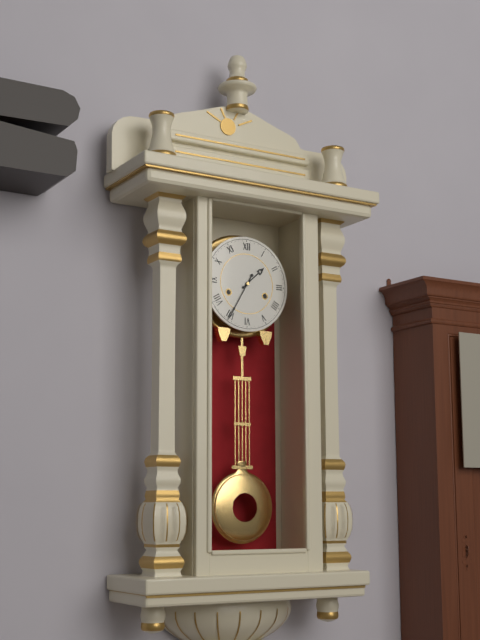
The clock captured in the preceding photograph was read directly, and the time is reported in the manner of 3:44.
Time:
1:35
